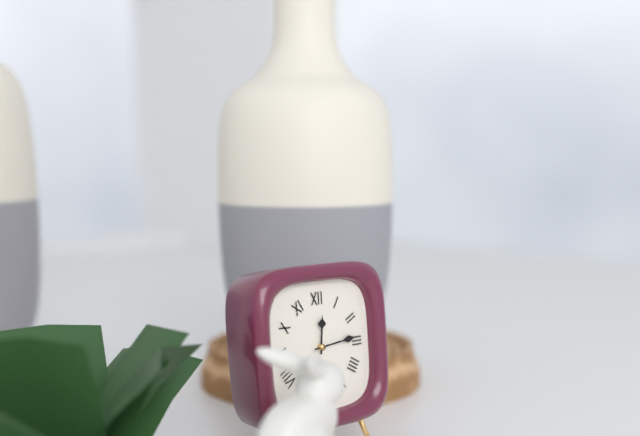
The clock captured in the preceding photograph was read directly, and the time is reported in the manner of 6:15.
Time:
12:14
